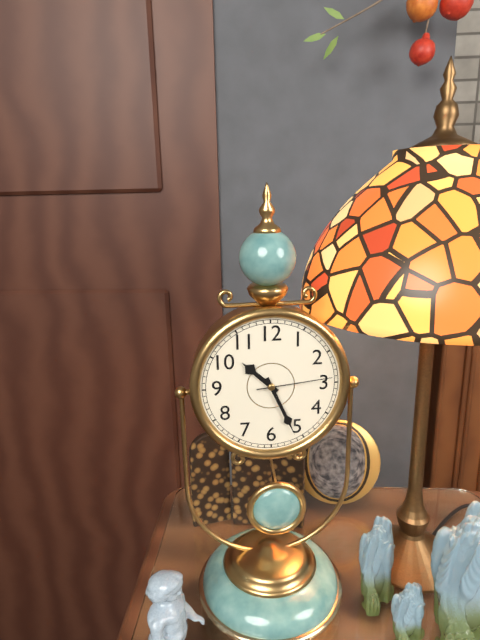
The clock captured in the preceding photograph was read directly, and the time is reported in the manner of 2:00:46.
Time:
10:26:14
